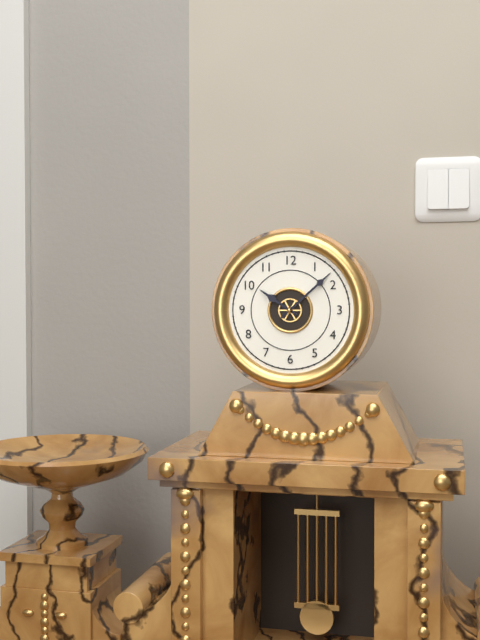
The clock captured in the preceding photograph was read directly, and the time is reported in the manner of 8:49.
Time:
10:08
